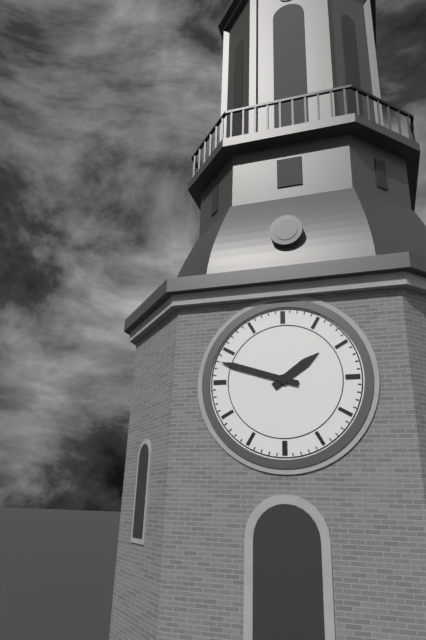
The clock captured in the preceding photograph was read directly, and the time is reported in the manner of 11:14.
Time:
1:48
